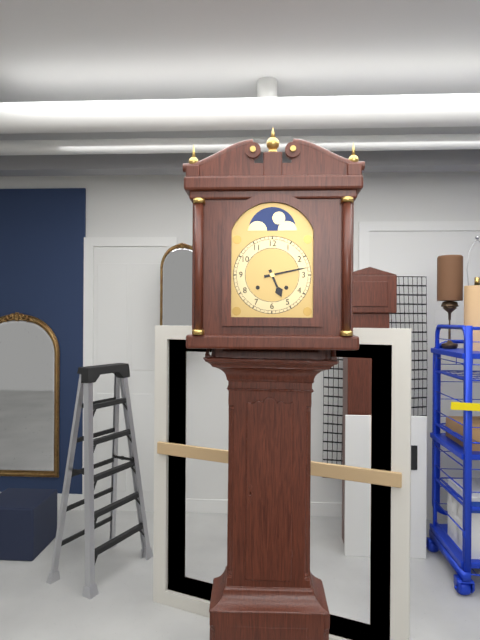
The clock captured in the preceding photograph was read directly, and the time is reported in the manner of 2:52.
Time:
5:13
